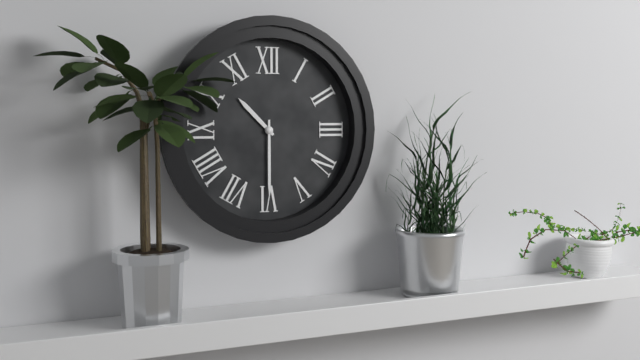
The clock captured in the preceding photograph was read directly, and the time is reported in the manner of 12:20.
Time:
10:30
